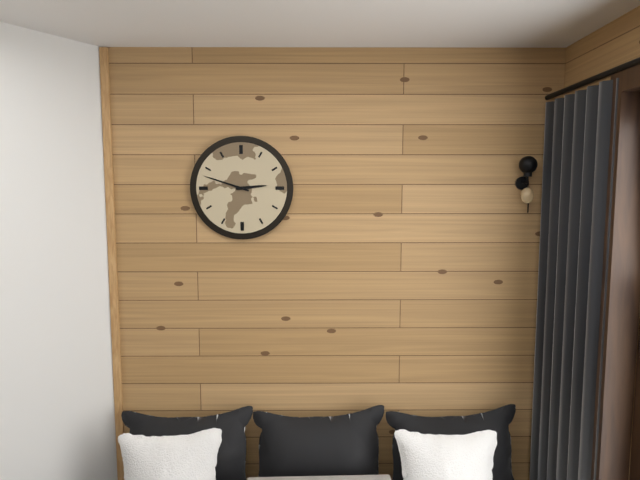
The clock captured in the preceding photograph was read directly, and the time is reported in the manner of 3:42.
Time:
2:48
